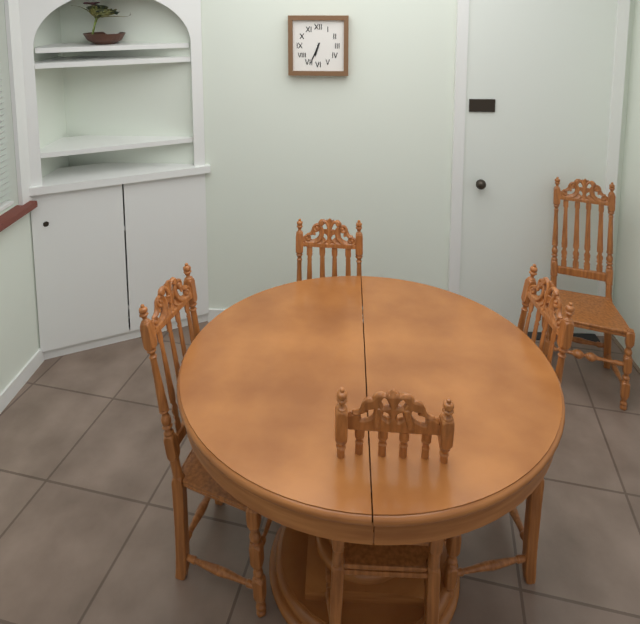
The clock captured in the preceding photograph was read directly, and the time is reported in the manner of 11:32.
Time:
6:34
